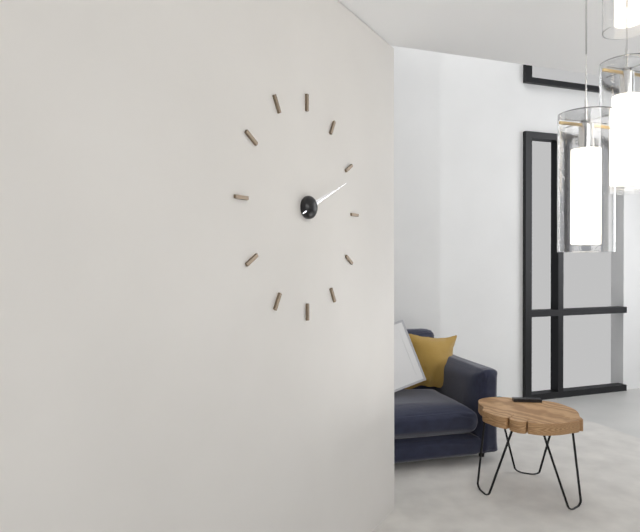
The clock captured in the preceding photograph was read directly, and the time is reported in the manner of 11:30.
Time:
2:11
